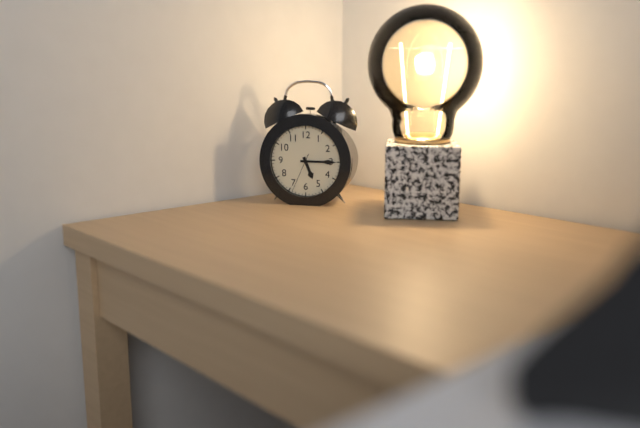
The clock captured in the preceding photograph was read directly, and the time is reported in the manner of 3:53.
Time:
5:15
